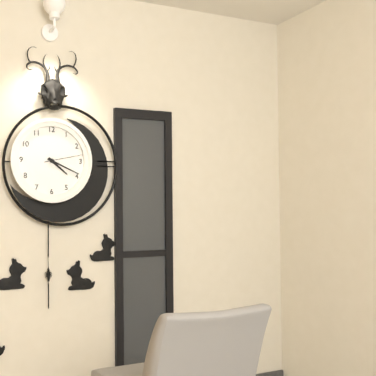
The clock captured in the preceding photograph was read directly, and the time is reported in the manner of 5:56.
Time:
4:19
